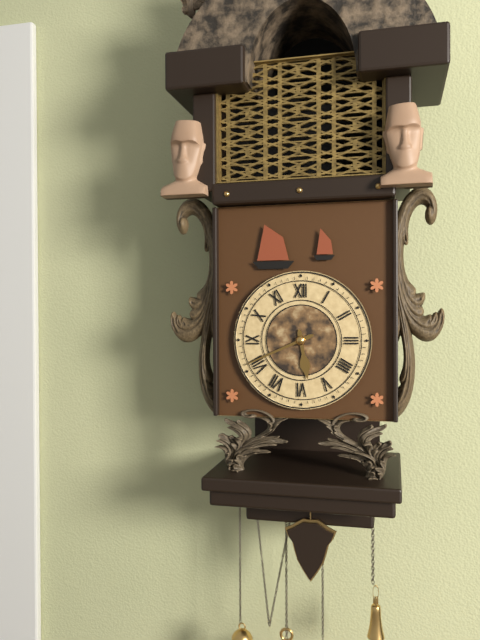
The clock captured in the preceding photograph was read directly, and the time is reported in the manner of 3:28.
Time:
5:41
